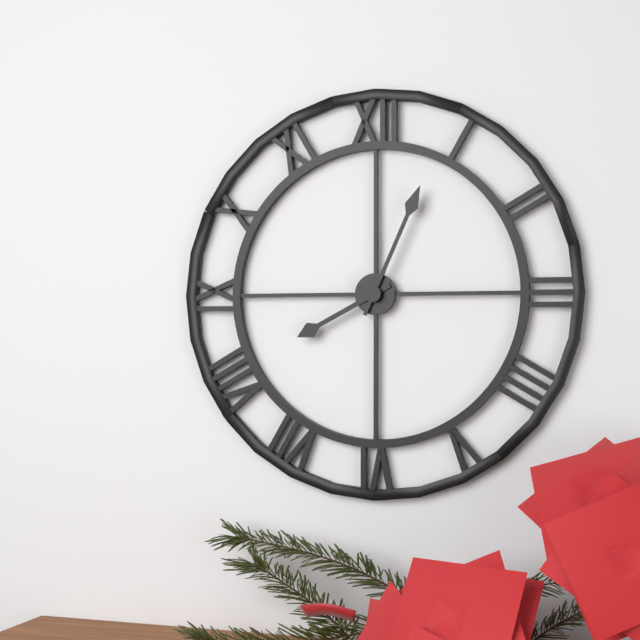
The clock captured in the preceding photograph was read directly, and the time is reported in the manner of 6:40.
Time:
8:04
